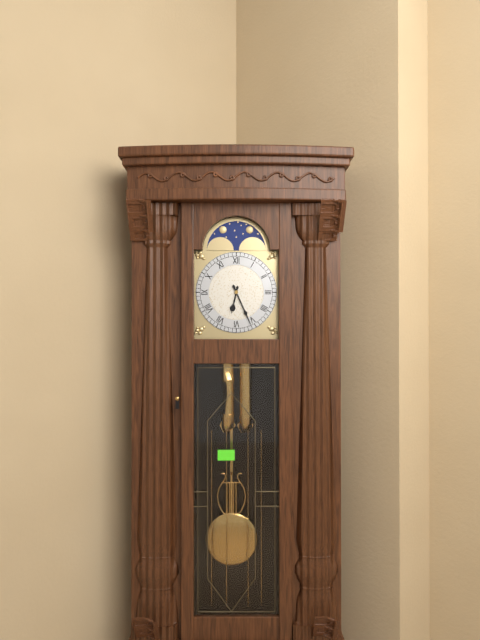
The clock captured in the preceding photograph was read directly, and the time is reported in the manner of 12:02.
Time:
6:26
